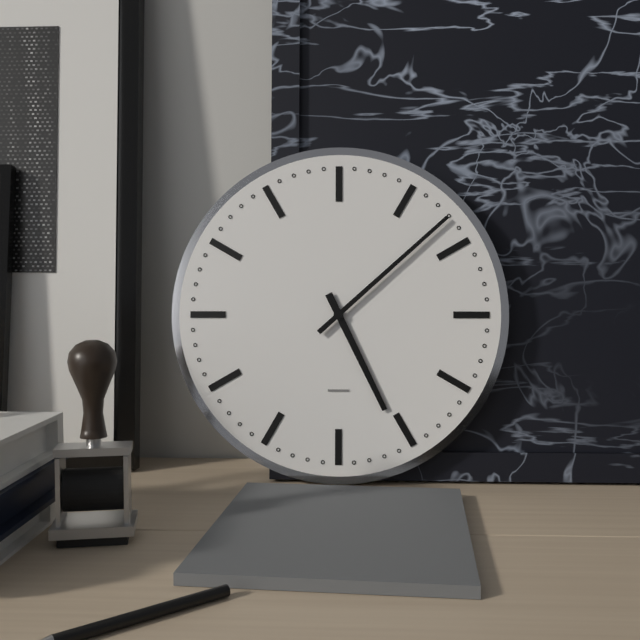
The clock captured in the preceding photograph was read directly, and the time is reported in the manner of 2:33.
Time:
5:08
